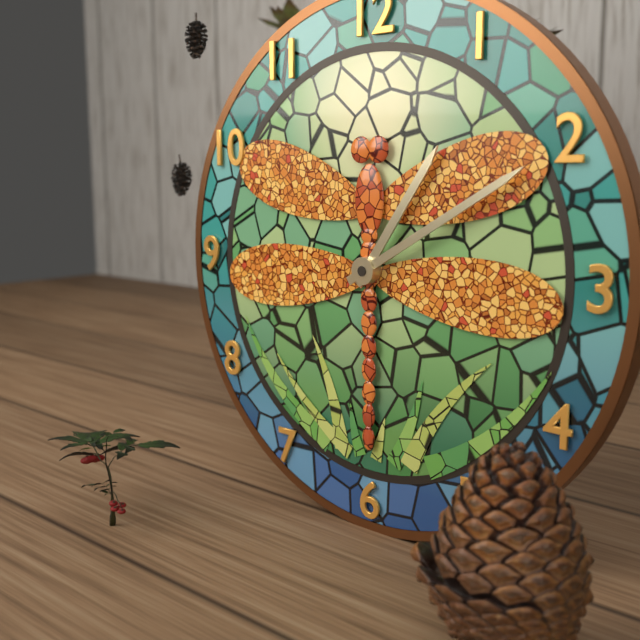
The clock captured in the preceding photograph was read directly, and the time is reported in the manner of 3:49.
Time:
1:10
